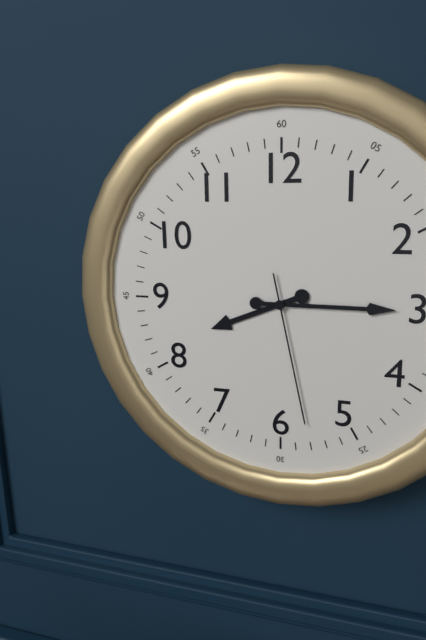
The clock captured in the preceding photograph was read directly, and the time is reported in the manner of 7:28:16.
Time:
8:15:28
